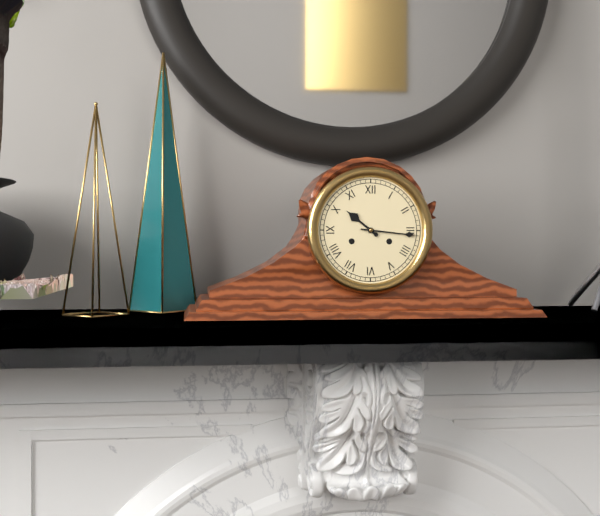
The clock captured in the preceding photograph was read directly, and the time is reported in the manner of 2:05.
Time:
10:16
